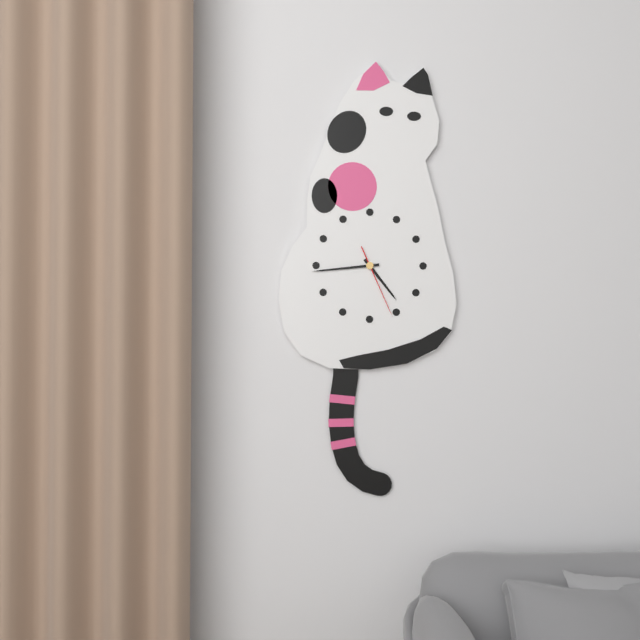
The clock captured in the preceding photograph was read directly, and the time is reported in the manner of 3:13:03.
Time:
4:44:26
